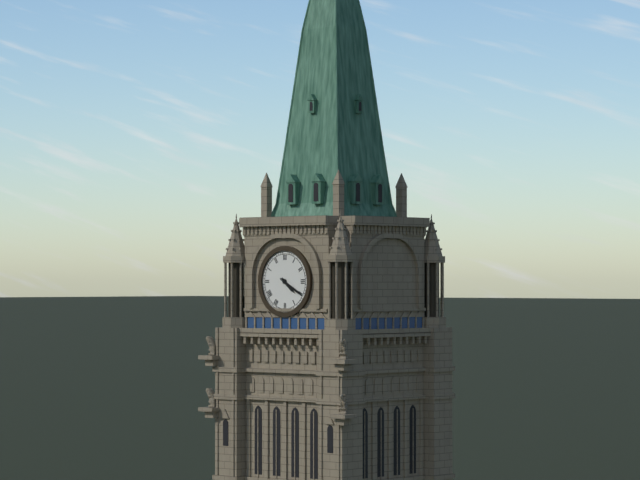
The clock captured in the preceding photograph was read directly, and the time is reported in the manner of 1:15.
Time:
4:20
